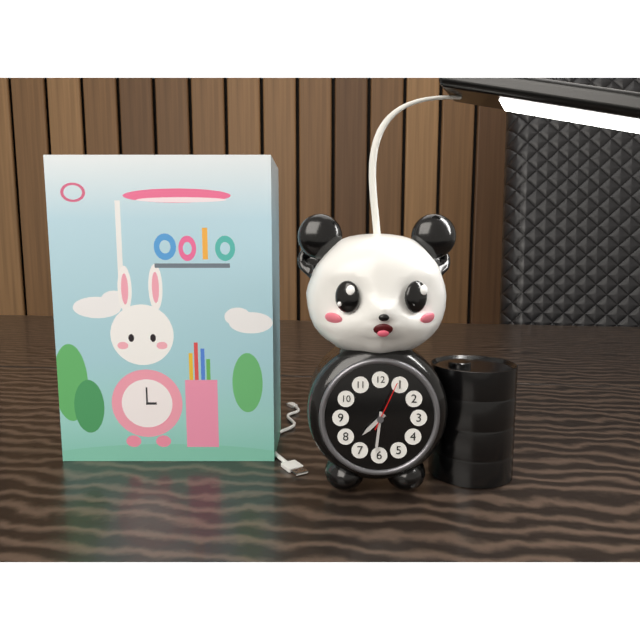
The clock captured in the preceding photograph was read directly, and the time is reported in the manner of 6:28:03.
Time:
7:31:04
